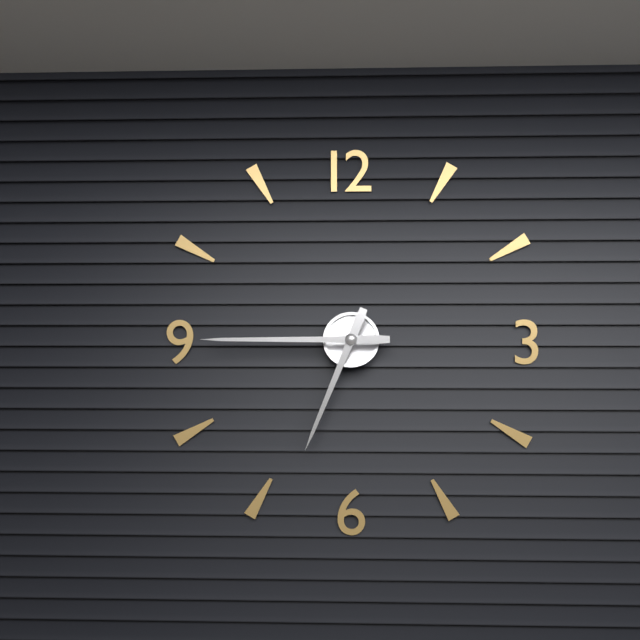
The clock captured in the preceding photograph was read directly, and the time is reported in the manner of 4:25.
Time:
6:45
